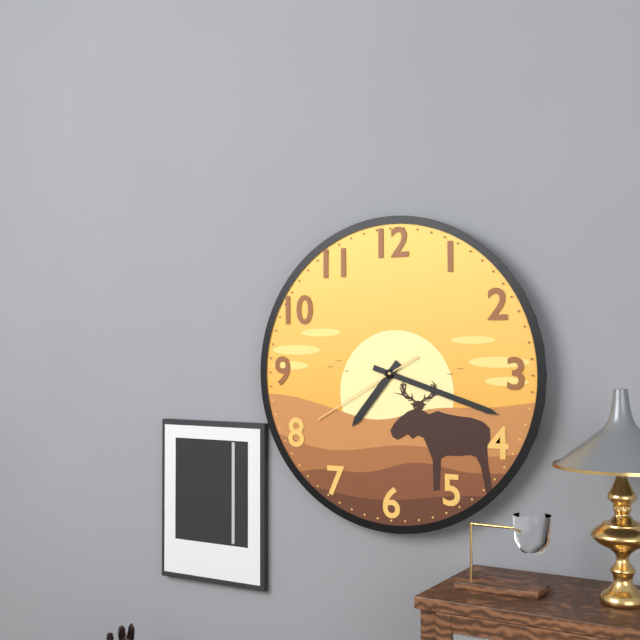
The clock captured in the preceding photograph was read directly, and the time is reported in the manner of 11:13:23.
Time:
7:18:40
